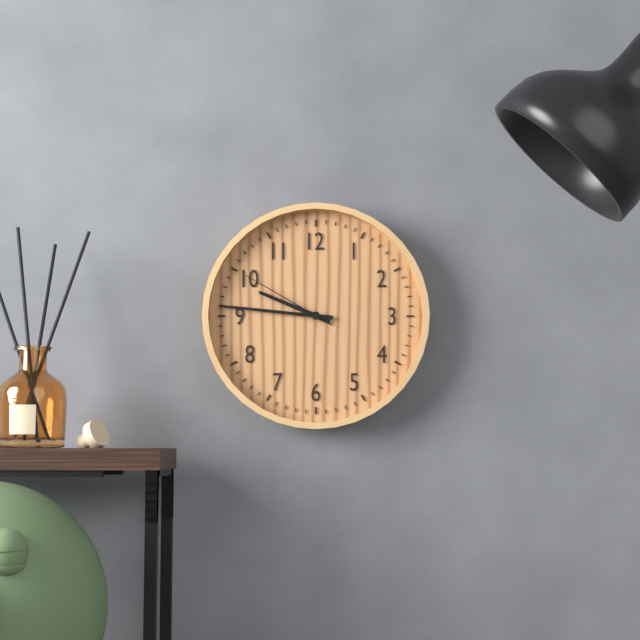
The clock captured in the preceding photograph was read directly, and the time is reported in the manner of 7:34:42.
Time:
9:46:50
